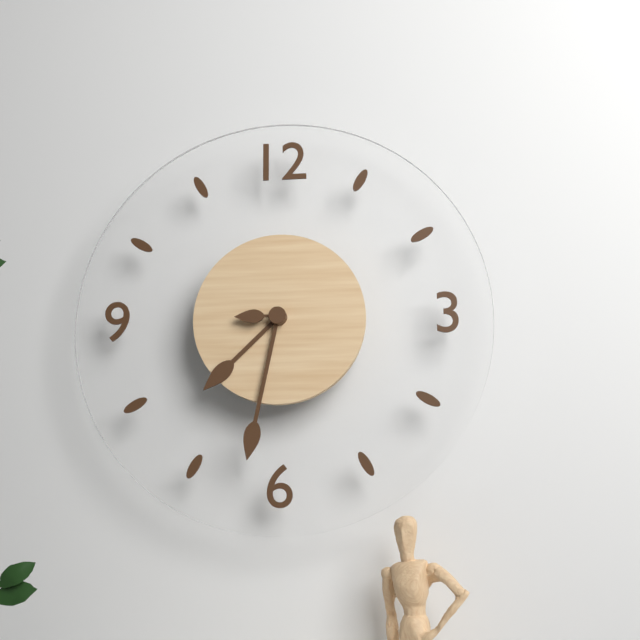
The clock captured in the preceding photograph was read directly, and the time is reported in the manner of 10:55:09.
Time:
7:32:45
